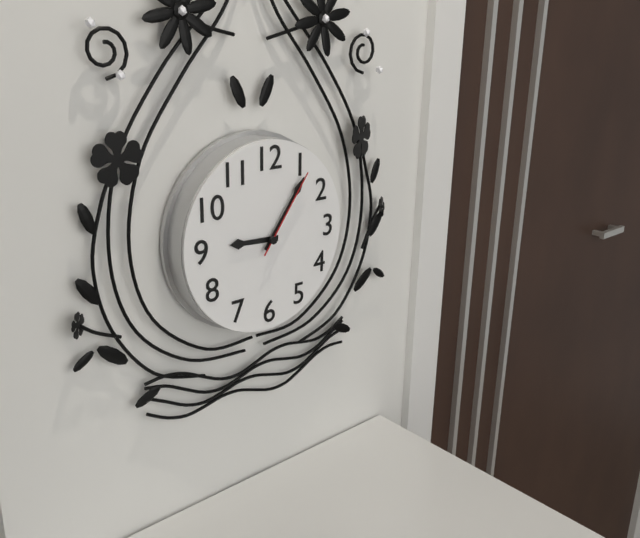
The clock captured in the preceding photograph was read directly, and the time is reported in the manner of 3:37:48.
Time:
9:06:06
